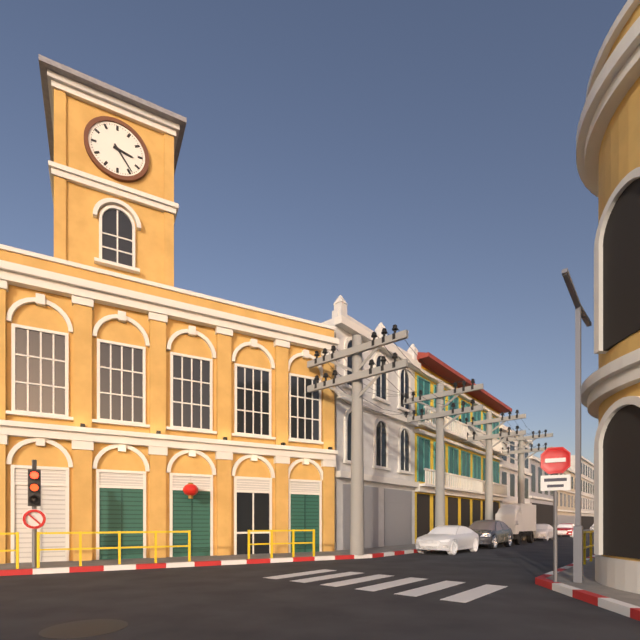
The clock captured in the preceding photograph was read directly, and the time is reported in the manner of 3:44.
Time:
3:24
